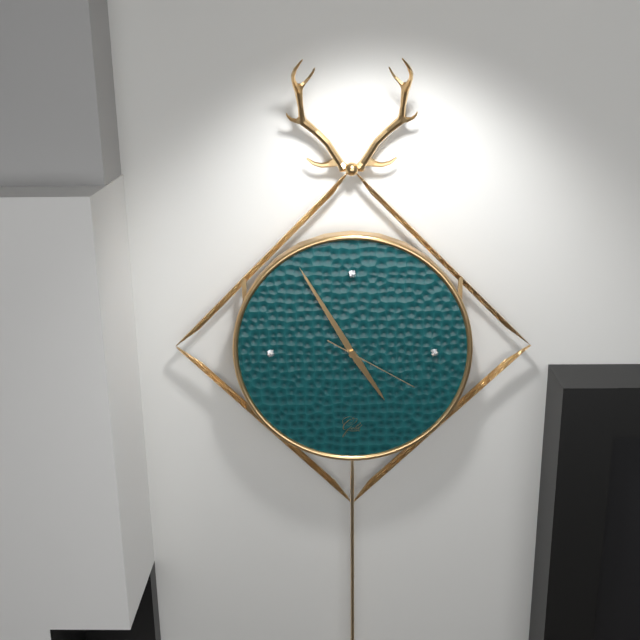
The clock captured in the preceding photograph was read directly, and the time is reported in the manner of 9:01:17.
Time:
4:55:20
